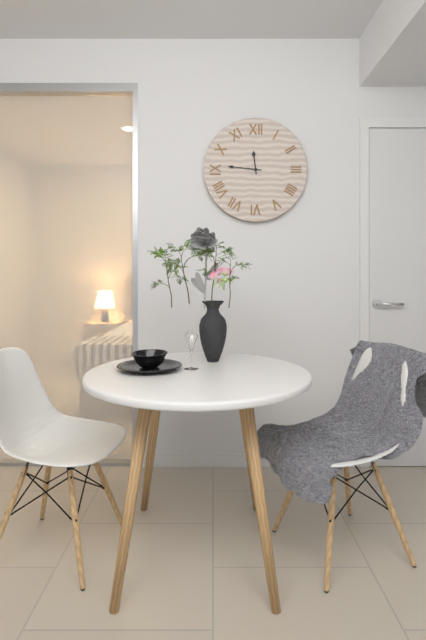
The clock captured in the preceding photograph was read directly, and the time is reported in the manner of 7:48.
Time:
11:46
